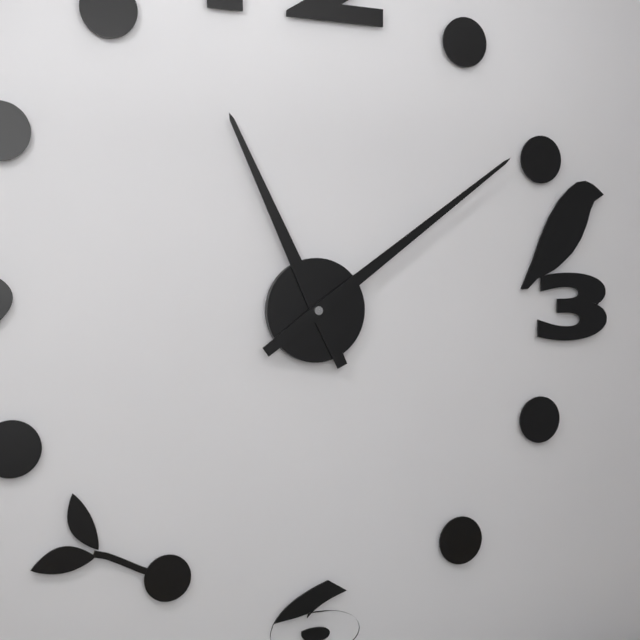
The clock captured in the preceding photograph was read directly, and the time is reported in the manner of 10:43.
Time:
11:09
